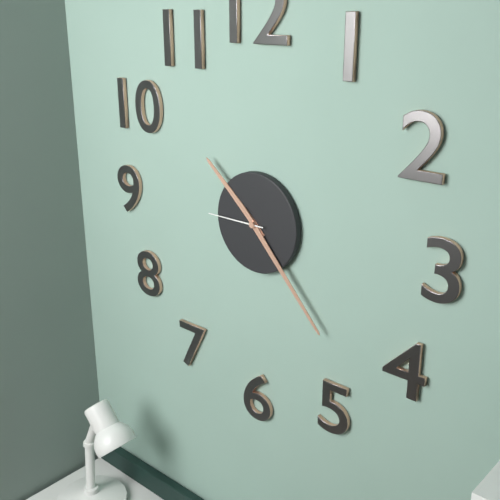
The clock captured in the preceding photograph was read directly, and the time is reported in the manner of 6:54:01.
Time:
10:23:45
